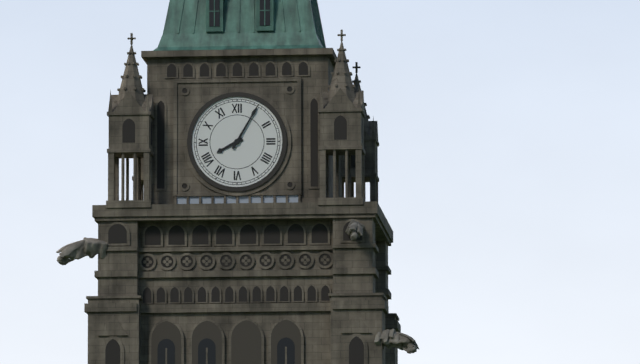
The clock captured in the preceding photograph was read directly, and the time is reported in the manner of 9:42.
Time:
8:05
